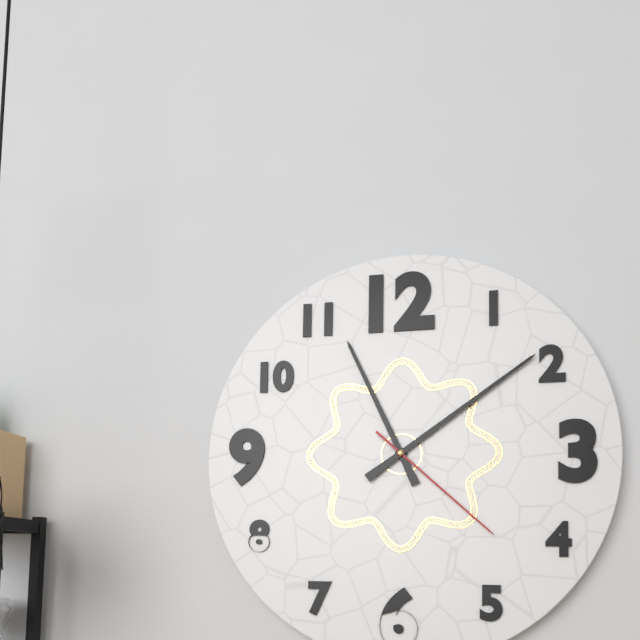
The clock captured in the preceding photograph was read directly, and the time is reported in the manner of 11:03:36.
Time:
11:09:22
